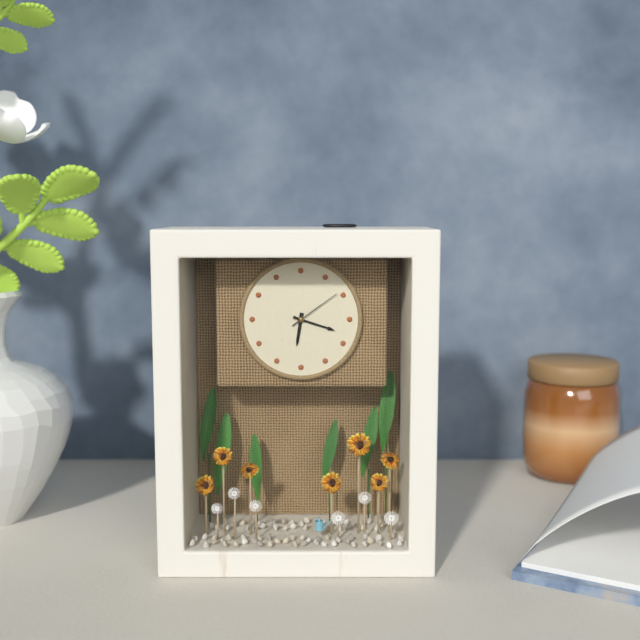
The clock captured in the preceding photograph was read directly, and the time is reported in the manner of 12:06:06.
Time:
6:18:09
